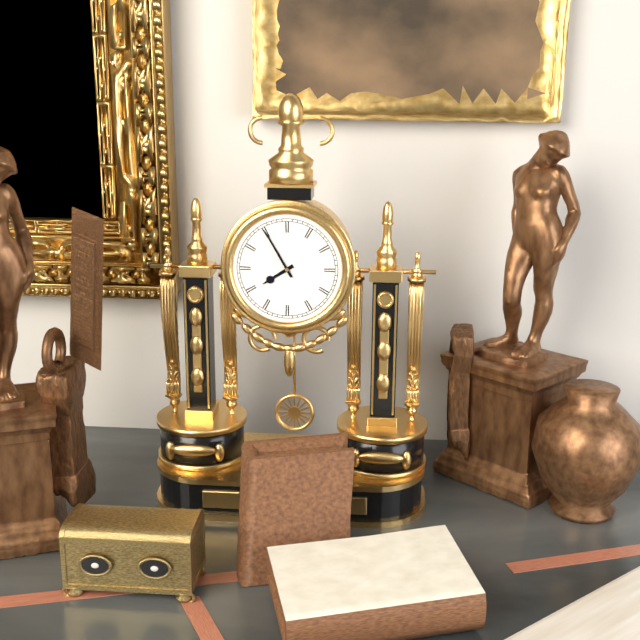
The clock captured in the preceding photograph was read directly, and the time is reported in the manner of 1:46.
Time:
7:55
